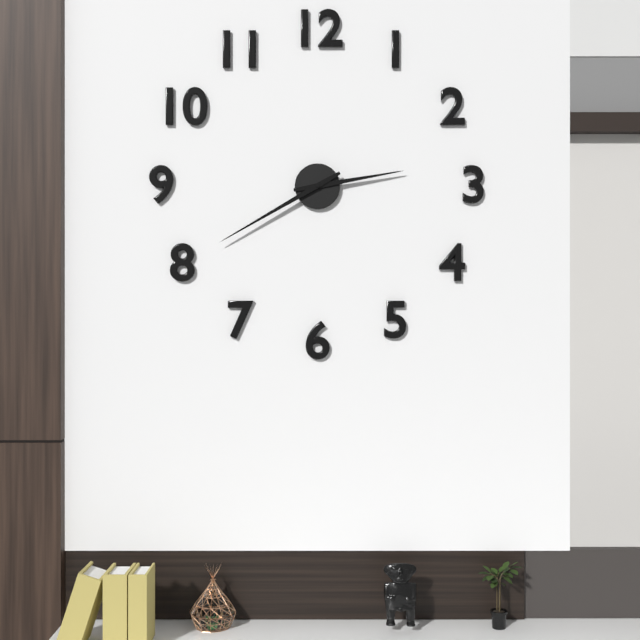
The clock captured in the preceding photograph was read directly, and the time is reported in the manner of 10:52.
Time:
2:40
